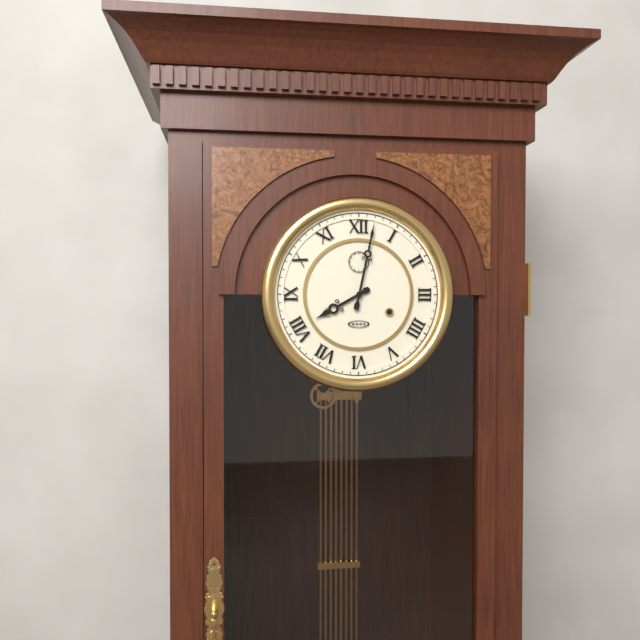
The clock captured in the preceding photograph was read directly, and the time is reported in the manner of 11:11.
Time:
8:02
